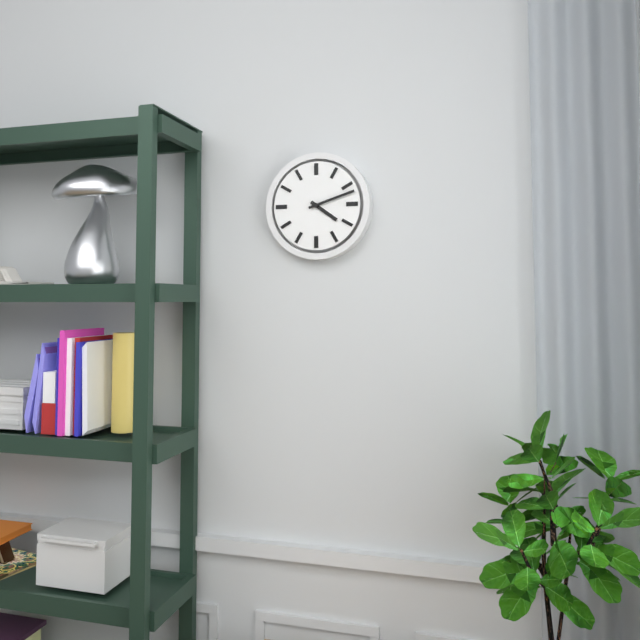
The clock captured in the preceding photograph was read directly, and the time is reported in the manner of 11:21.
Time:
4:12
